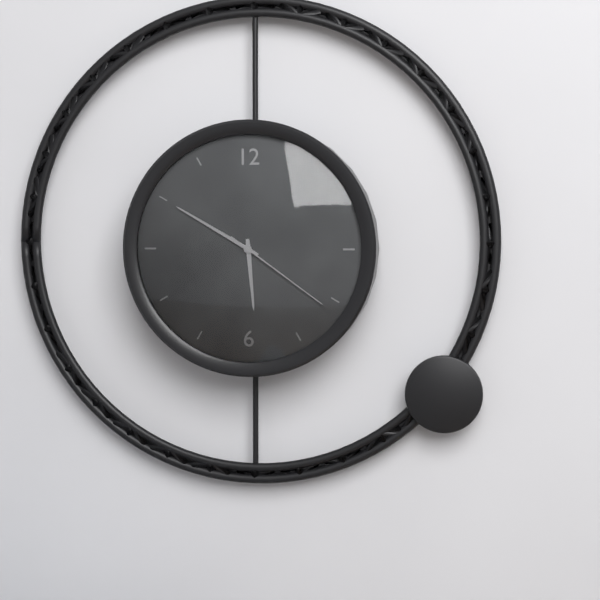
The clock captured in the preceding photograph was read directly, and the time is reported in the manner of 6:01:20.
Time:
5:50:21
